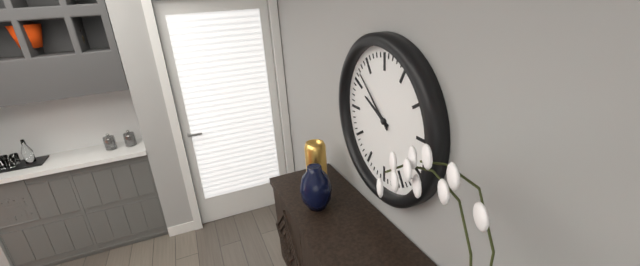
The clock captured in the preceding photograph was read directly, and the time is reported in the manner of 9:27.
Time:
9:52
